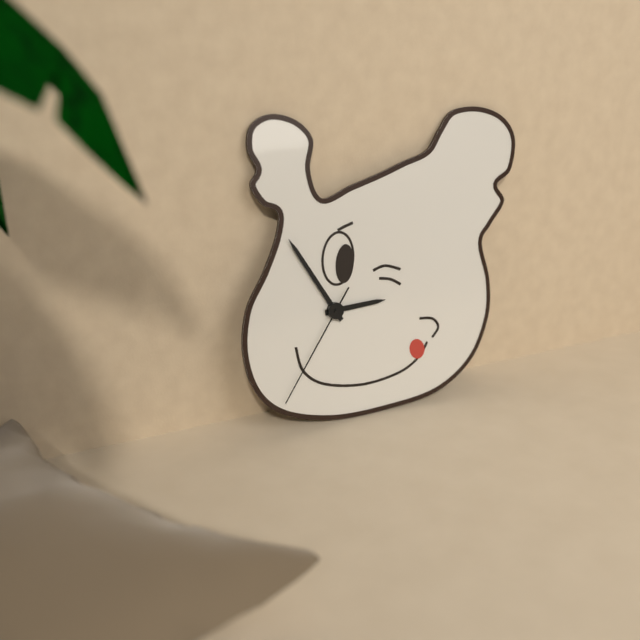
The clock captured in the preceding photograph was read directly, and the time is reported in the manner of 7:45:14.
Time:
2:55:36
